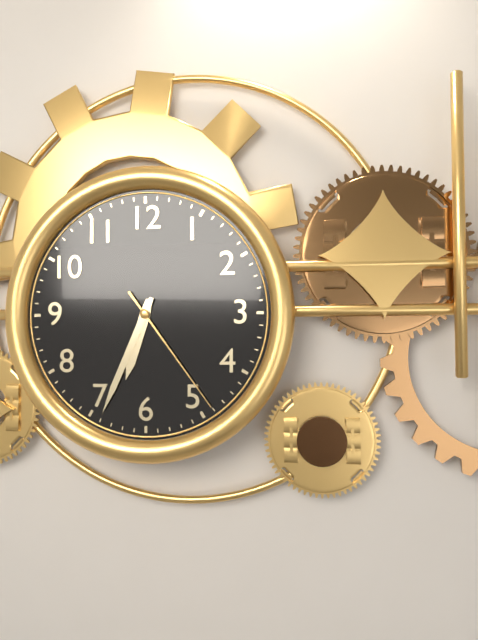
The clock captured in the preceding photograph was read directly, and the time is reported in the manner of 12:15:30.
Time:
6:34:24
